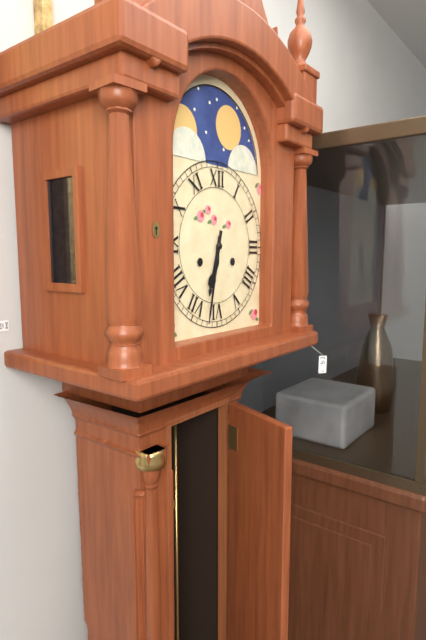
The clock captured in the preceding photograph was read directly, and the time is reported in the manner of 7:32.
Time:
6:32
